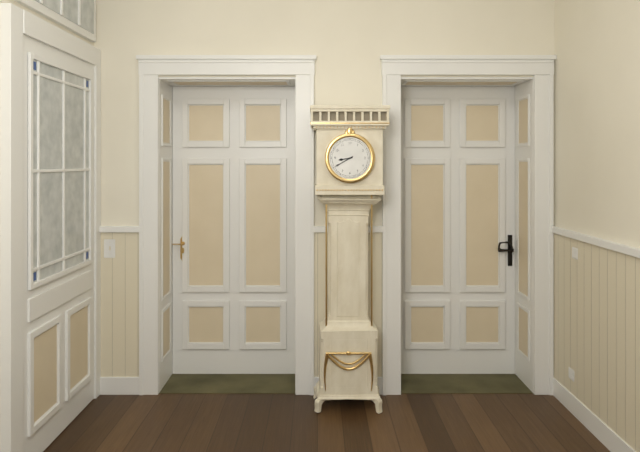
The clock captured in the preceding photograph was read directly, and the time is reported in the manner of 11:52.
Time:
8:40
